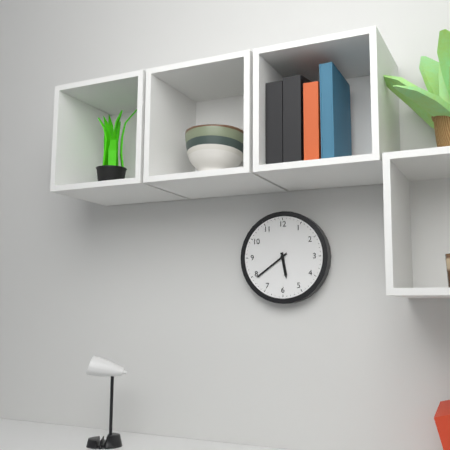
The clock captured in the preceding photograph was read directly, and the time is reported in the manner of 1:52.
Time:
5:39
